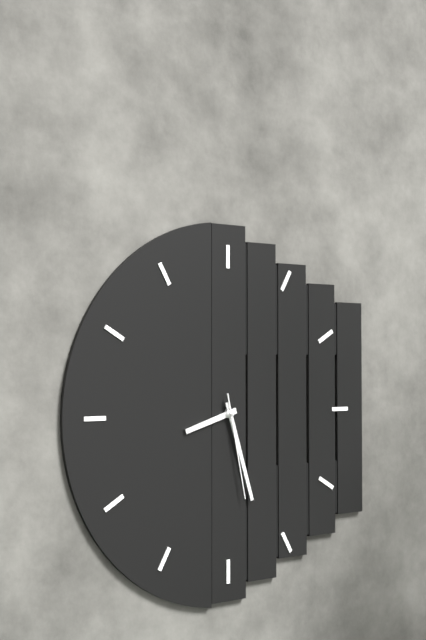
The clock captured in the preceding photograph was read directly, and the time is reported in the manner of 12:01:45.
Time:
8:27:28
